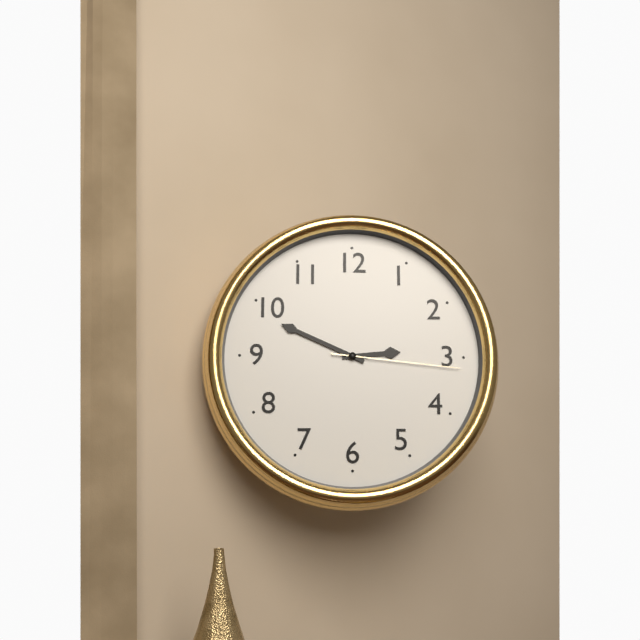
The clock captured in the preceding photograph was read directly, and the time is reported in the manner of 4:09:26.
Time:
2:49:16
